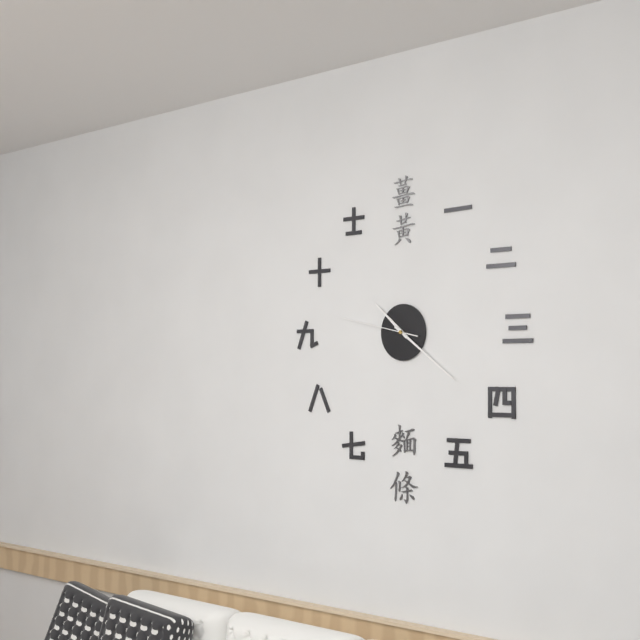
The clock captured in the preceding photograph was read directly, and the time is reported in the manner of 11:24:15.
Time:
10:21:47
